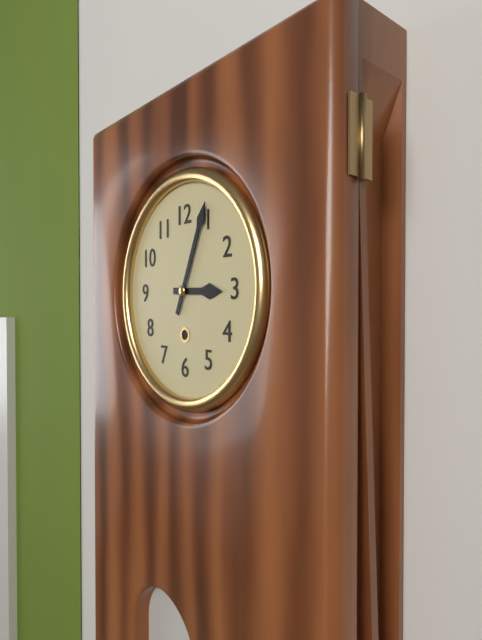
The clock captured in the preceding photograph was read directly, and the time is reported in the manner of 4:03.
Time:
3:04
